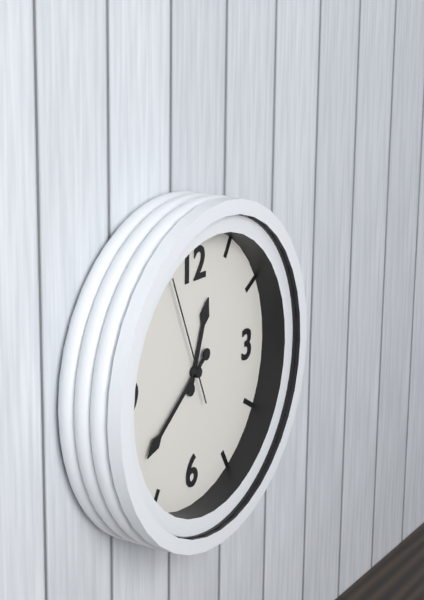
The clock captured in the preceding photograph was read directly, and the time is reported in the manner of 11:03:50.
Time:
12:39:56
